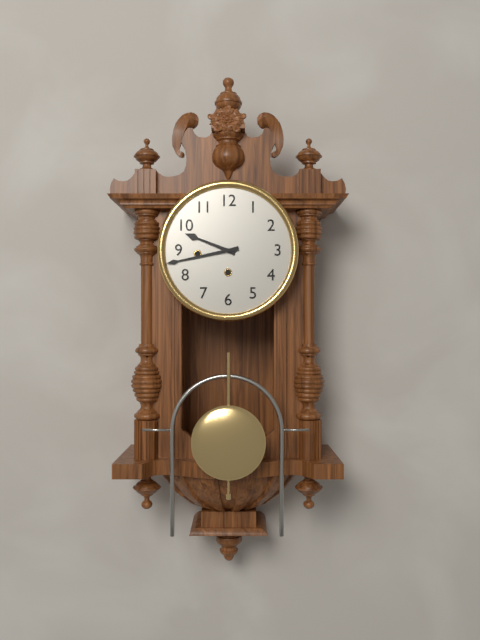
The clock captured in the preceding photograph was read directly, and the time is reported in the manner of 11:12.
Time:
9:43
